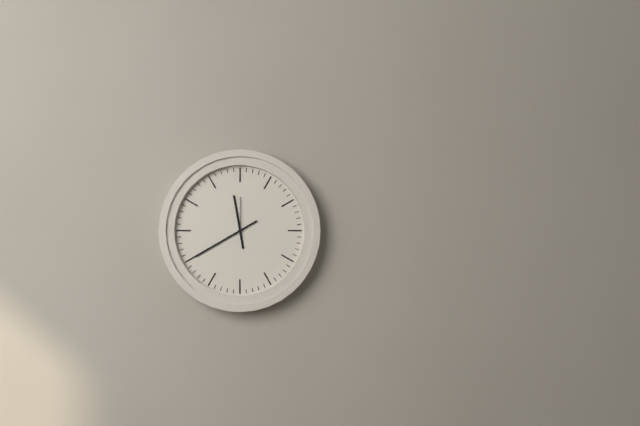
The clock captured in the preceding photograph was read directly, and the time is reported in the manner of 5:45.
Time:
11:40
